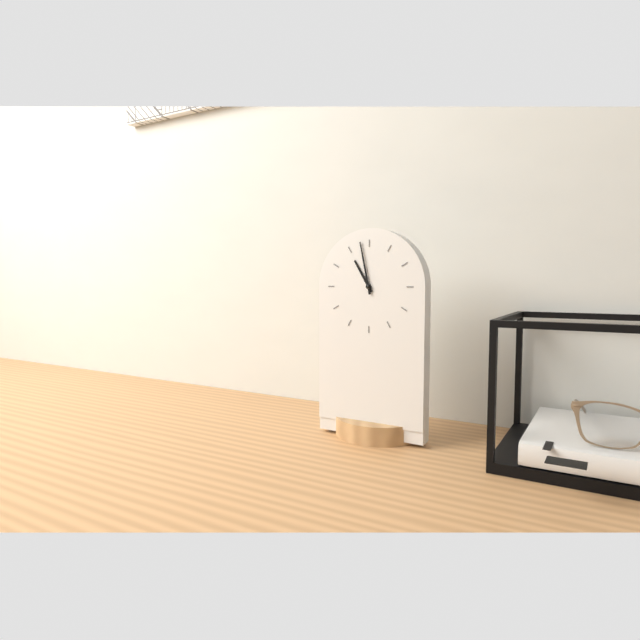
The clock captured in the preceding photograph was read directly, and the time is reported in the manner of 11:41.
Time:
10:58
